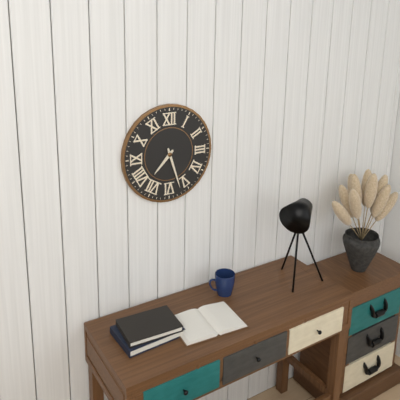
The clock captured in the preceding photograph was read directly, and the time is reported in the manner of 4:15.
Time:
7:27
